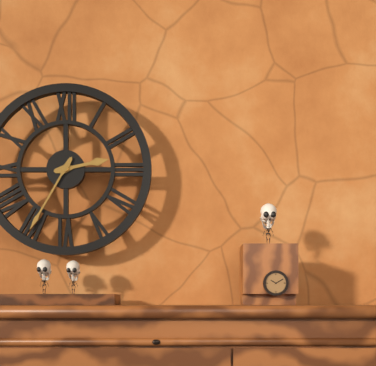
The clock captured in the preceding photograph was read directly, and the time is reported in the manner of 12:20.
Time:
2:35
